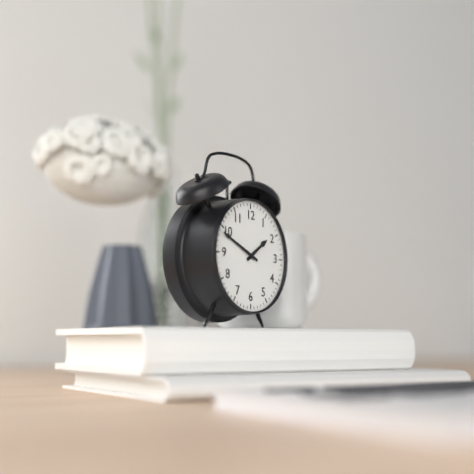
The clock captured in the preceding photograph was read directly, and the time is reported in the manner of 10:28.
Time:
1:49
